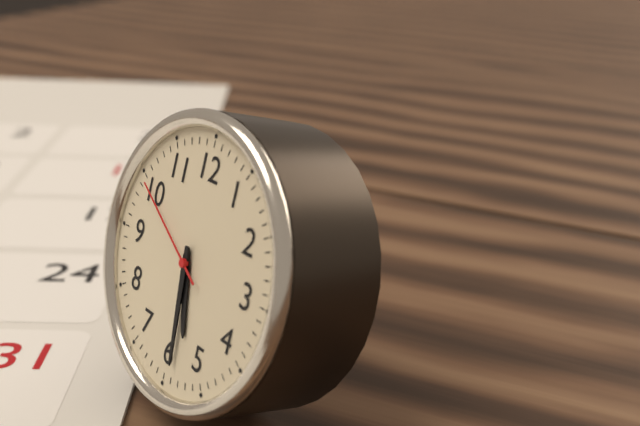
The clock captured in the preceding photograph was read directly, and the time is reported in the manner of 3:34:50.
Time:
5:29:50
